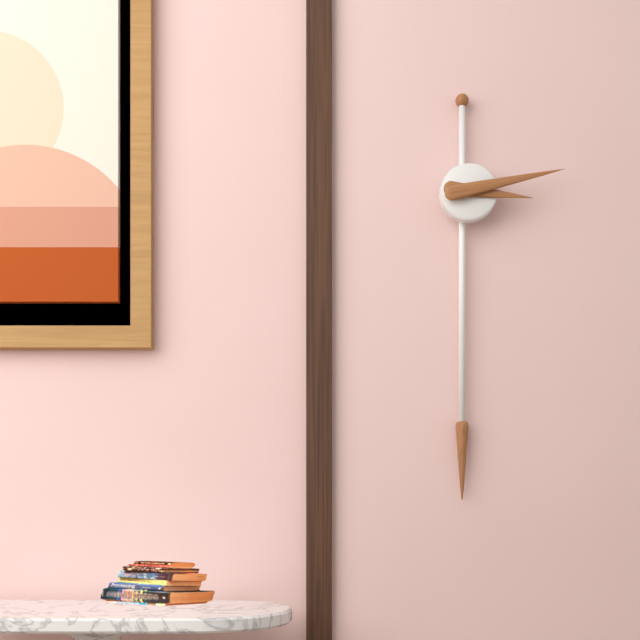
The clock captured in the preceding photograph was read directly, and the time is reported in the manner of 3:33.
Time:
3:13
